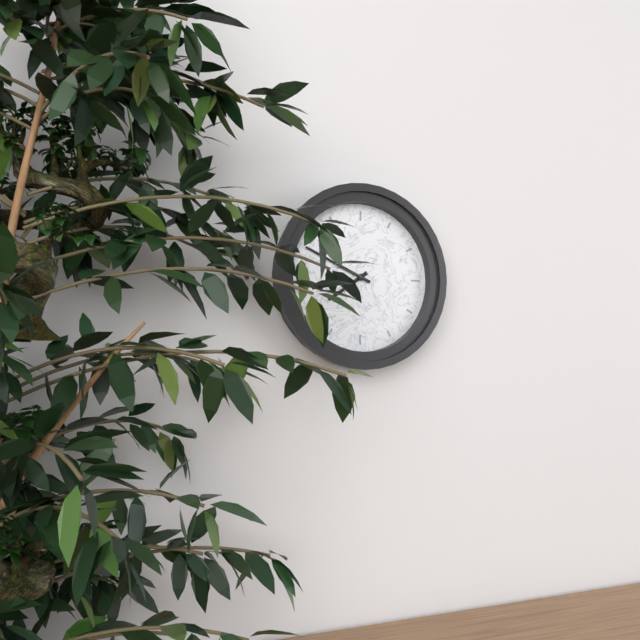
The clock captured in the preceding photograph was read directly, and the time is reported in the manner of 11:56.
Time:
7:49
